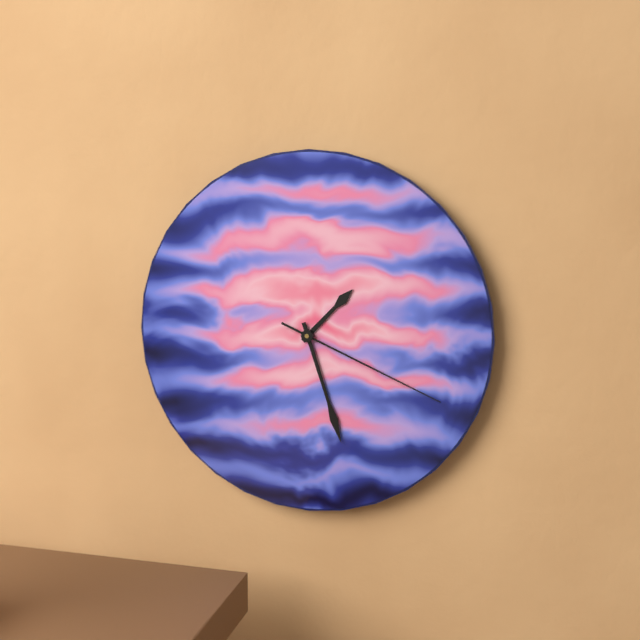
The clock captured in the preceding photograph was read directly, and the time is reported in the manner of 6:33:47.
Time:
1:27:19
